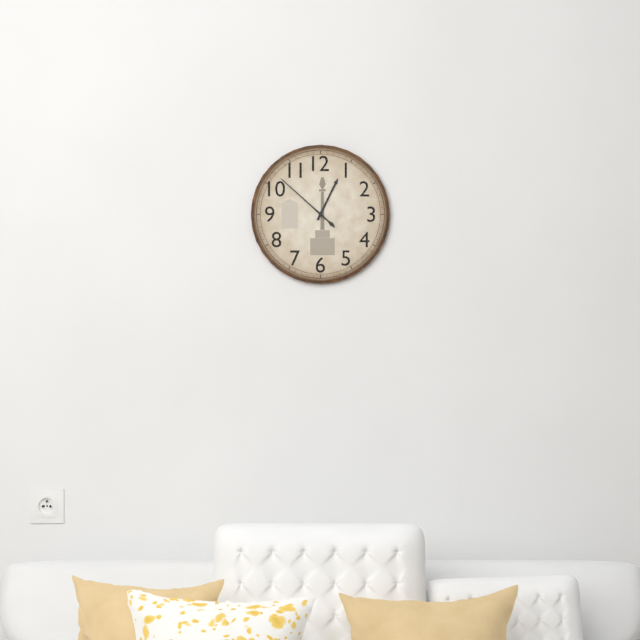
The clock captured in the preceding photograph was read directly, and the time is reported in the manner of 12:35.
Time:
12:52
